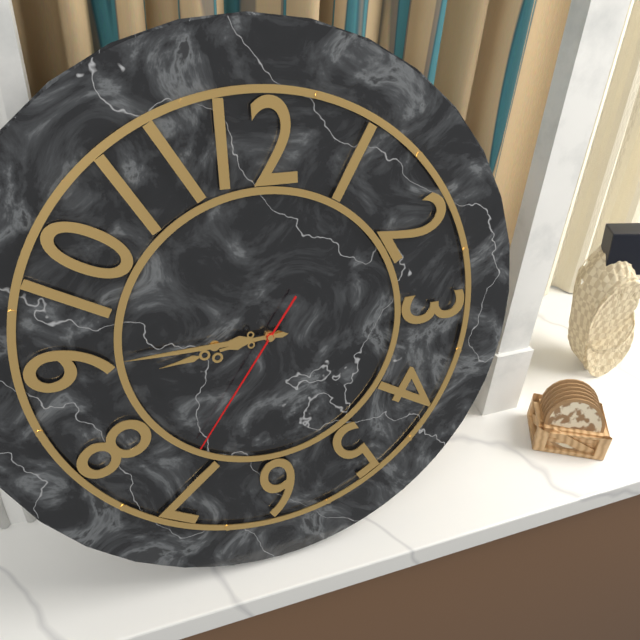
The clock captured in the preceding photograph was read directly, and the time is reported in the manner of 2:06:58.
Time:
8:45:36
